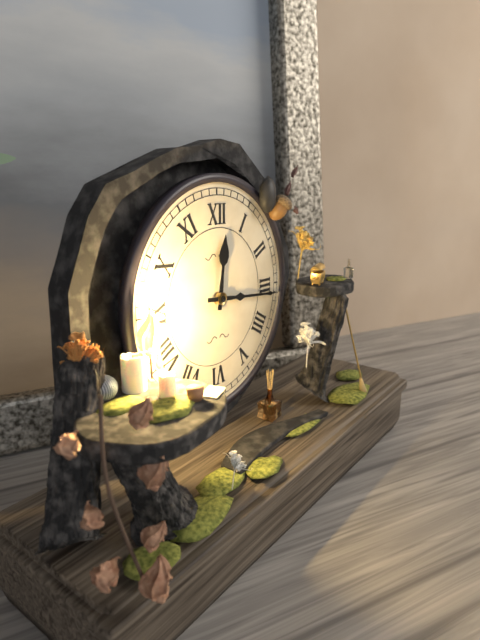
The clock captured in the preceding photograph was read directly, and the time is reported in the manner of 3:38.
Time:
12:16
